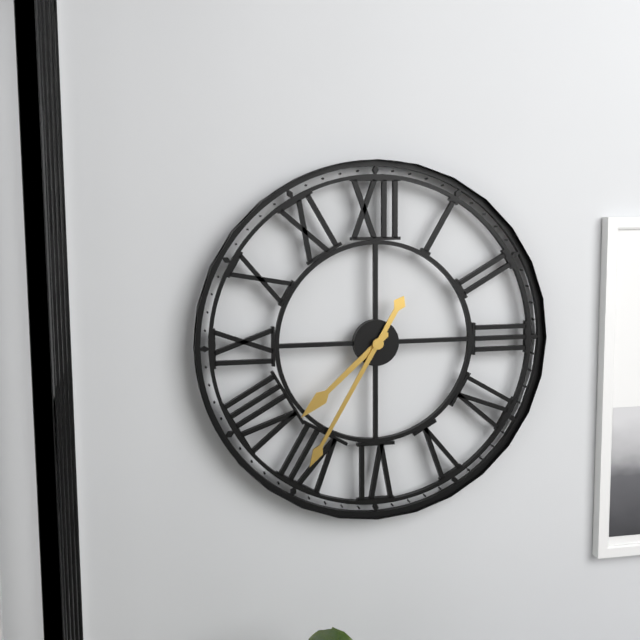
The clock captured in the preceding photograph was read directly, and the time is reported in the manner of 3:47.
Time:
7:35
